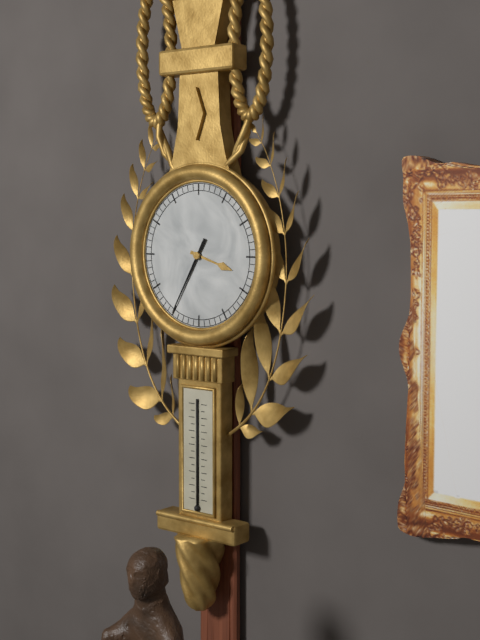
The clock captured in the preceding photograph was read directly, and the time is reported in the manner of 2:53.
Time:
3:35
